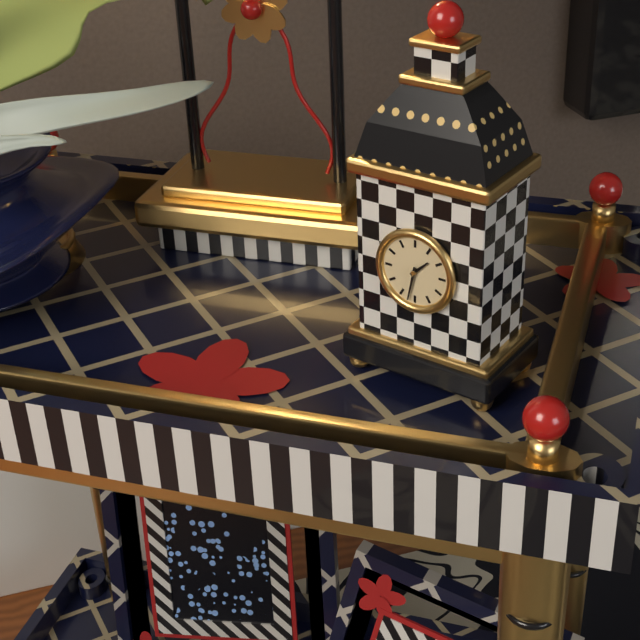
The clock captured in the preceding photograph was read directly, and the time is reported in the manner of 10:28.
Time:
1:32
